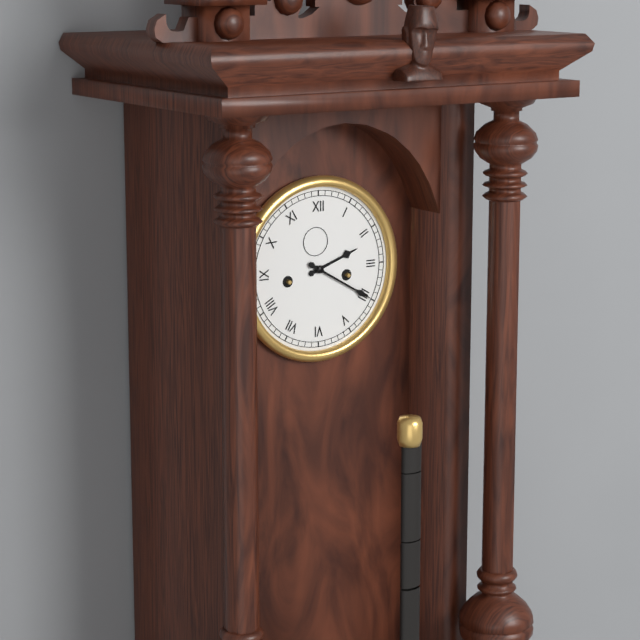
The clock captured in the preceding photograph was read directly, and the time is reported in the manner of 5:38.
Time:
2:20
